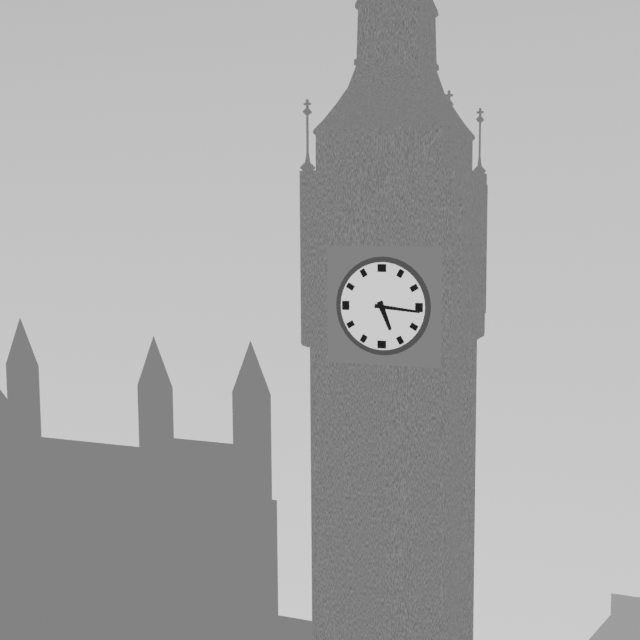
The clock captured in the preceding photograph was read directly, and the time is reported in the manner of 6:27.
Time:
5:16
